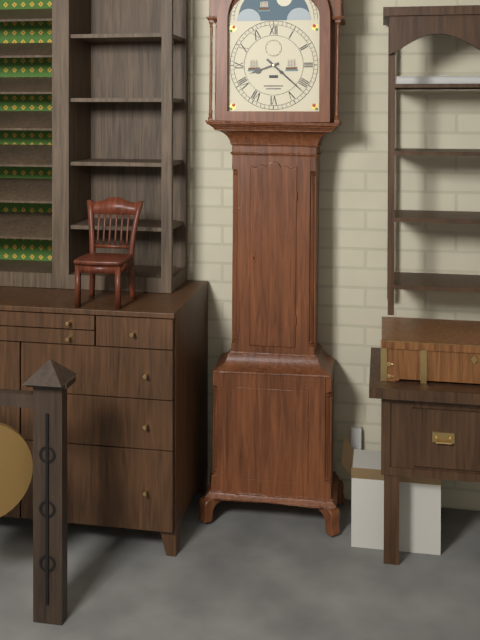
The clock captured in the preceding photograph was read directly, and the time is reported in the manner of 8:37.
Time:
8:22
